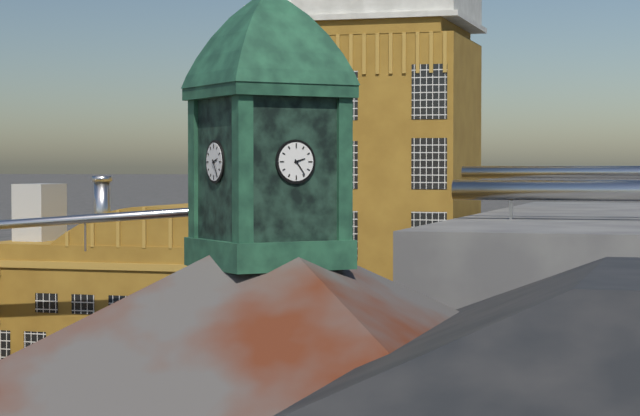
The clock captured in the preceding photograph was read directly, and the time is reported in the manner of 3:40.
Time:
2:24
